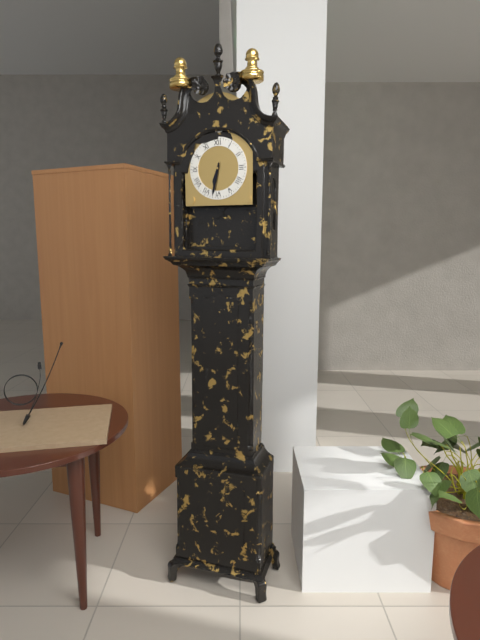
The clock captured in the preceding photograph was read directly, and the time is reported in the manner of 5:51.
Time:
6:32
